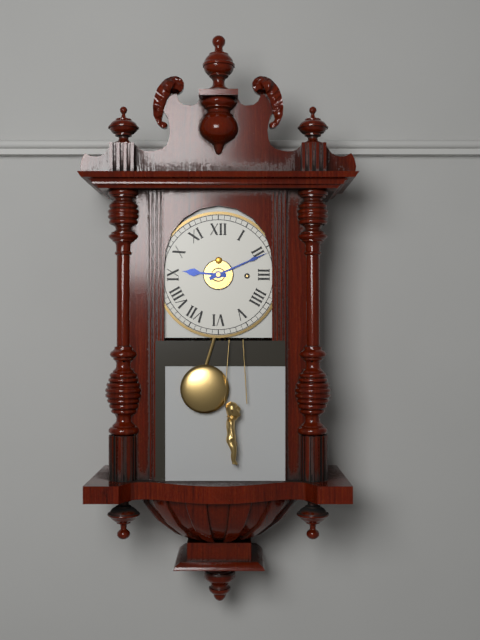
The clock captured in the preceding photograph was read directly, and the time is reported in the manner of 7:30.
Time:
9:11
